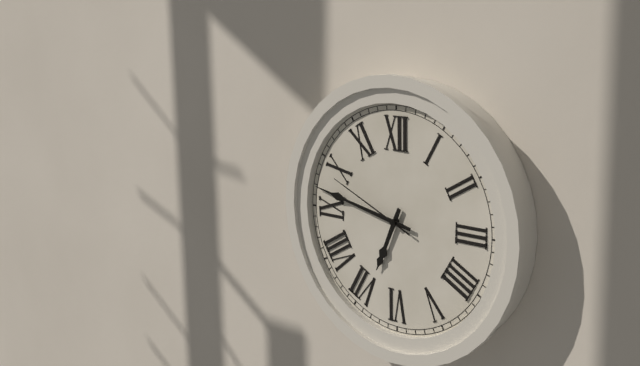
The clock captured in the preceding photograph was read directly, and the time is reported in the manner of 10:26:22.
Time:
6:47:49
